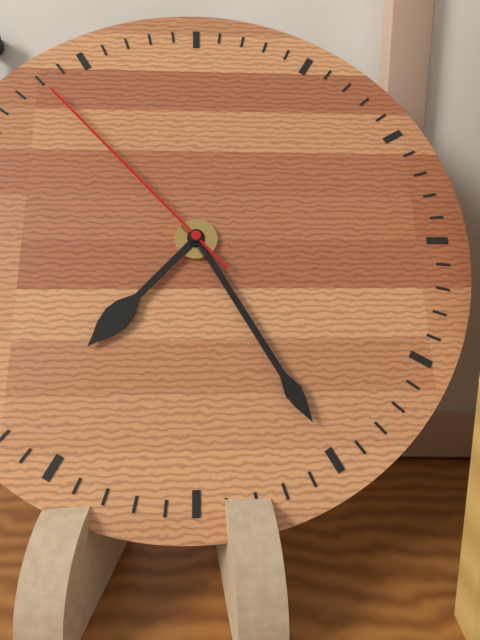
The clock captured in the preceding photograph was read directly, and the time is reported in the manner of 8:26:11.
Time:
7:25:53
